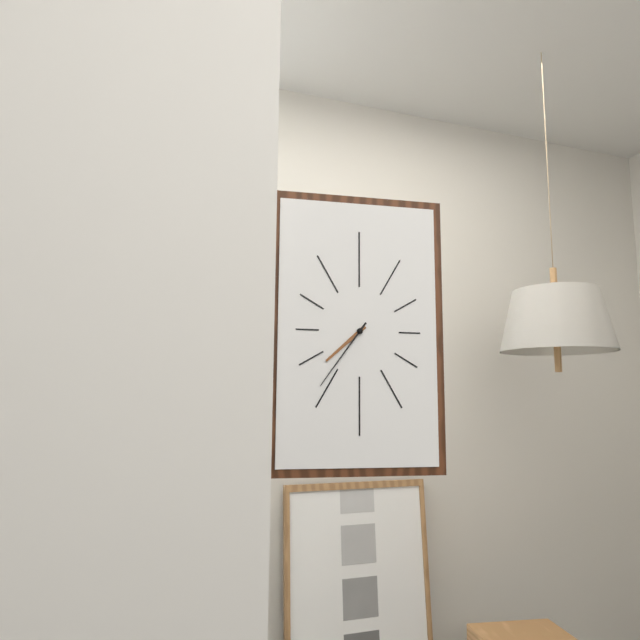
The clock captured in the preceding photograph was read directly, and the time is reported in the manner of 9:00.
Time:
7:36
